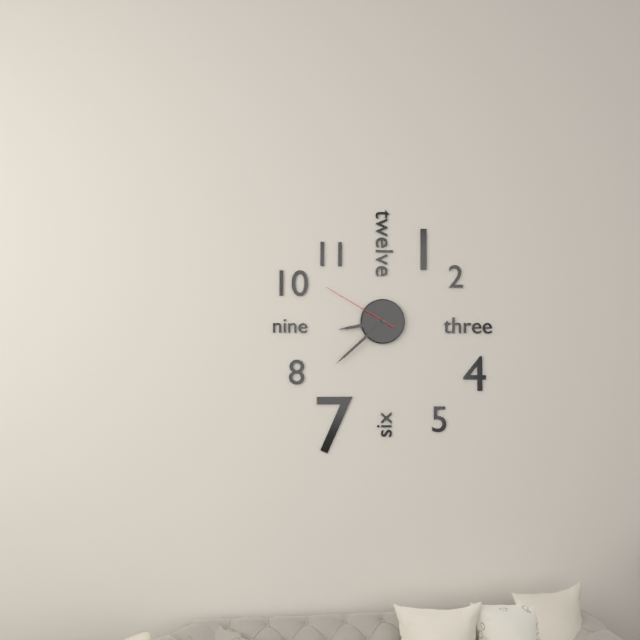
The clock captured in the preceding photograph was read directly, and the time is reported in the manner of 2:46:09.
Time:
8:38:50
